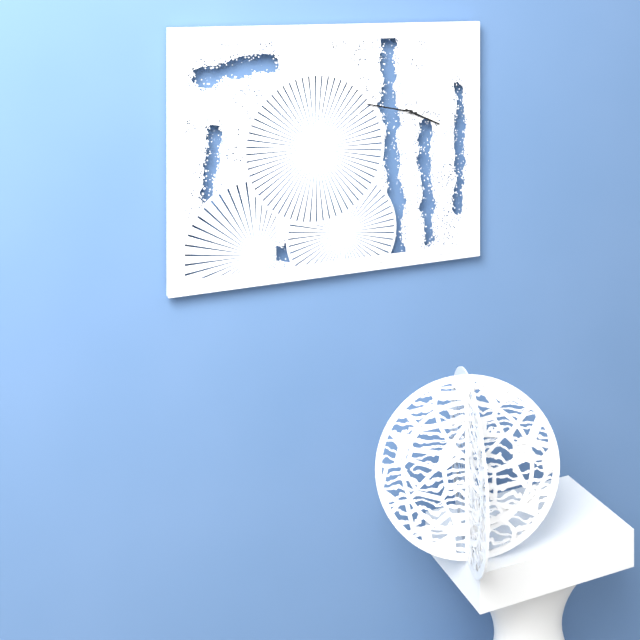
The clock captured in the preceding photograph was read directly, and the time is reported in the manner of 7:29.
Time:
3:47
